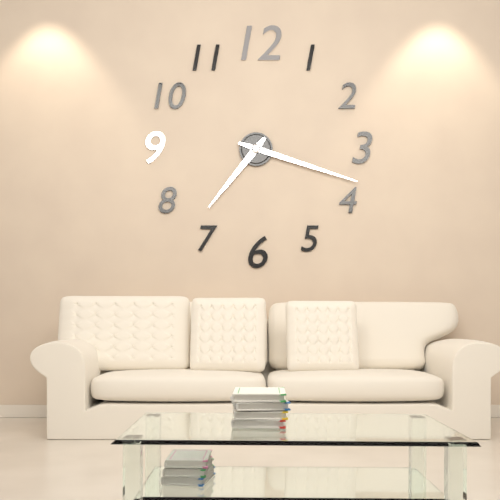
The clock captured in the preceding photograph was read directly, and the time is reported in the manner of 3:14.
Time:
7:18
